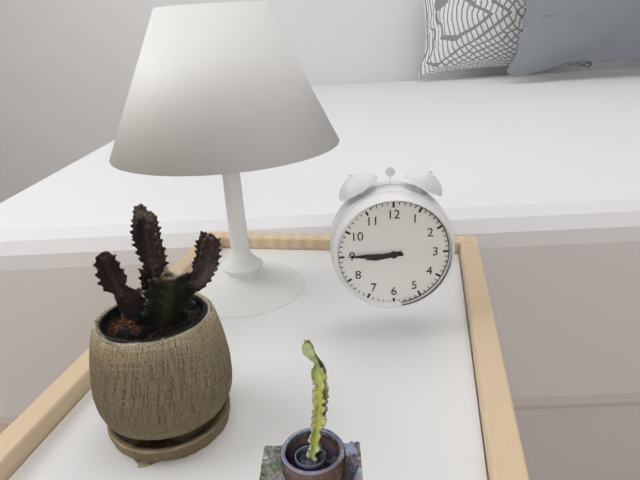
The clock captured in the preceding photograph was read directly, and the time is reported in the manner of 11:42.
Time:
8:45
